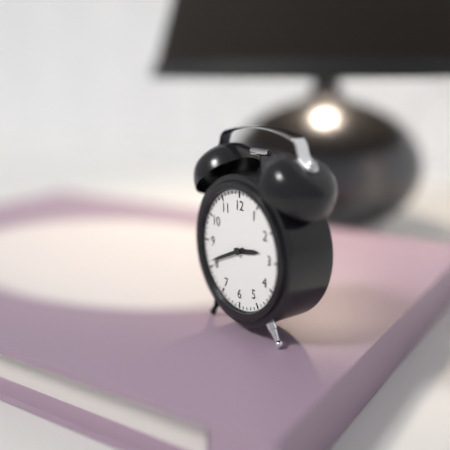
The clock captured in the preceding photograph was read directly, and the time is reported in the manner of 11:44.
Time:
2:41
